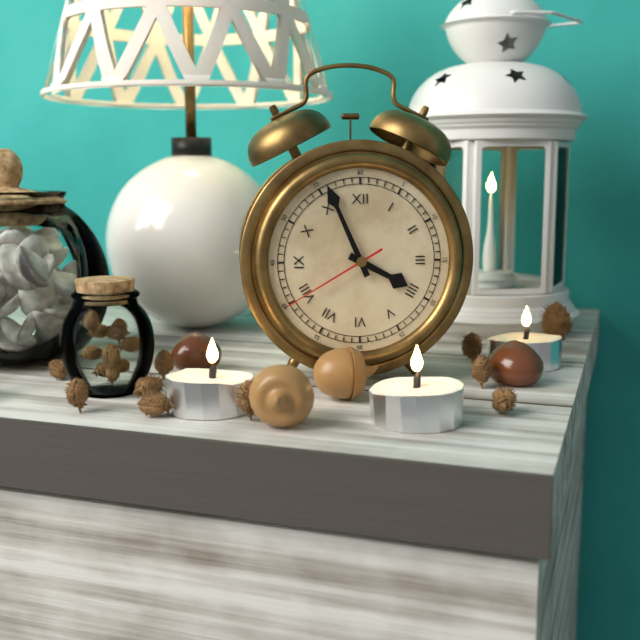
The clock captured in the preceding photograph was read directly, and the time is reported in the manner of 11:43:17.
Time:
3:56:40
